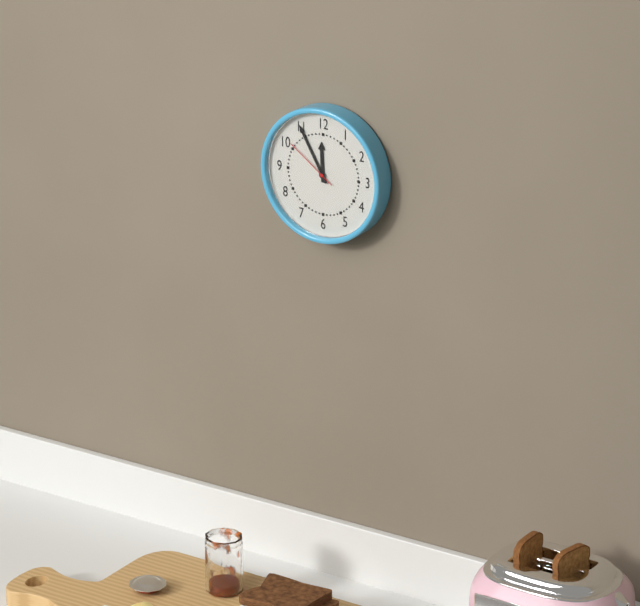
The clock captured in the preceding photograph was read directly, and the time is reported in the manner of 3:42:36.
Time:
11:55:51
